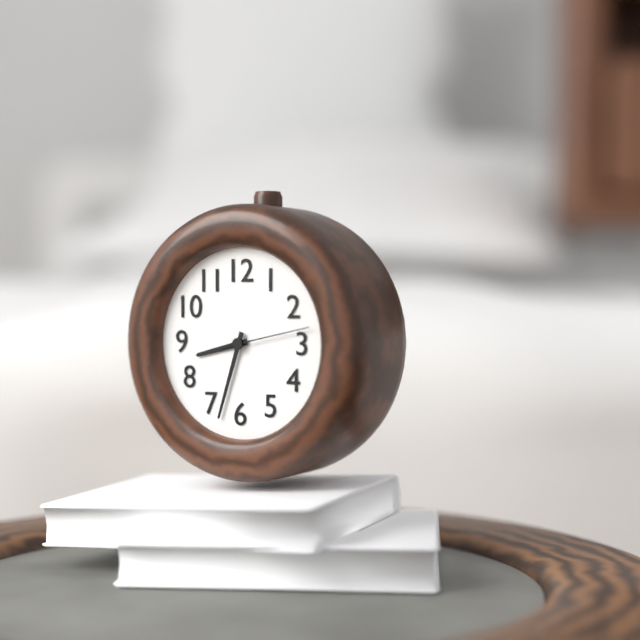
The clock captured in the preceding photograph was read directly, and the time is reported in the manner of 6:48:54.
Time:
8:33:13
